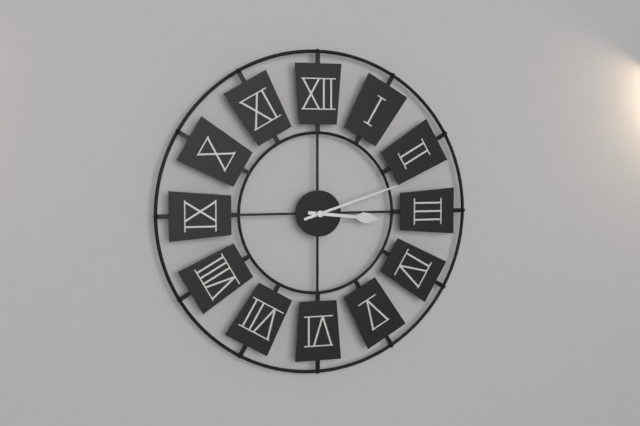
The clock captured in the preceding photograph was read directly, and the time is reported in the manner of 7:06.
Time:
3:12
